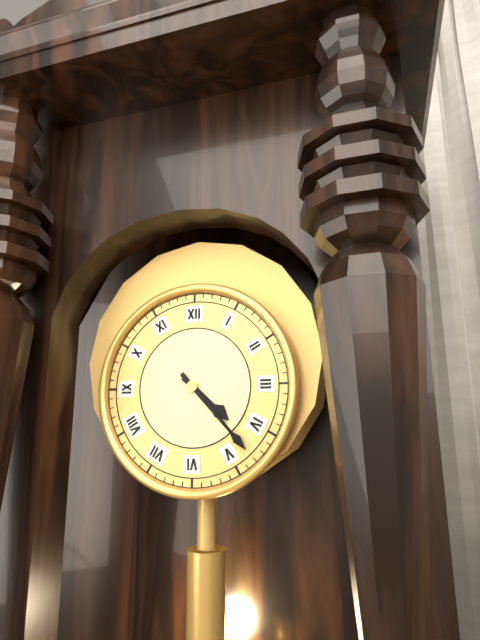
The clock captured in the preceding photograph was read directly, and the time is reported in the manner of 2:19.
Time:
4:23
